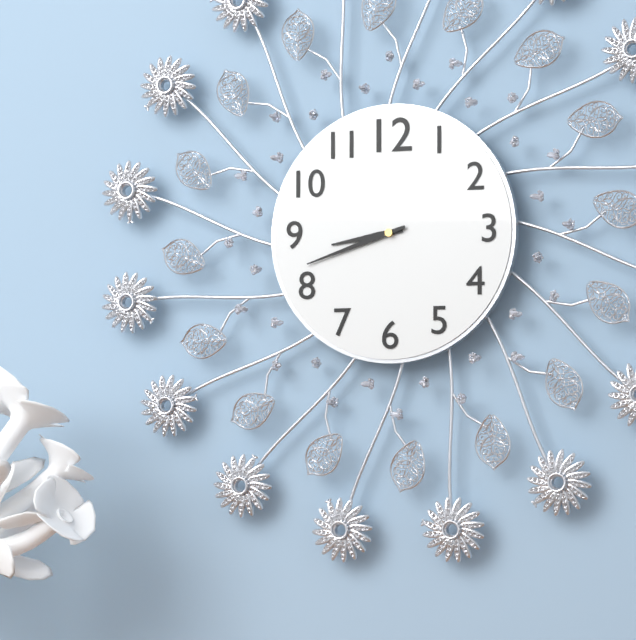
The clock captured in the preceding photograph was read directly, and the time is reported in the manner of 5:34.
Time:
8:42
